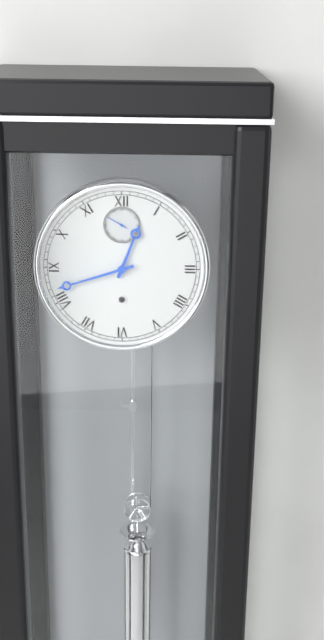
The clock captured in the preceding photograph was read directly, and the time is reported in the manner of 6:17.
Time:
12:42
